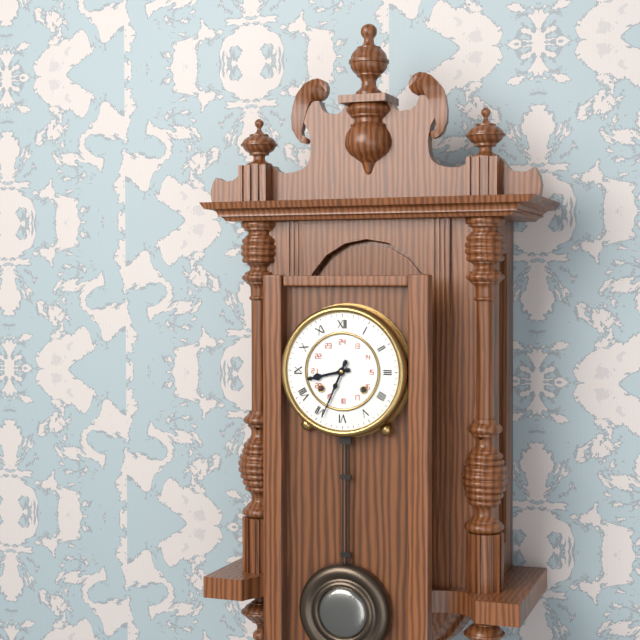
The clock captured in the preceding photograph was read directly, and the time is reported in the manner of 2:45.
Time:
8:34
